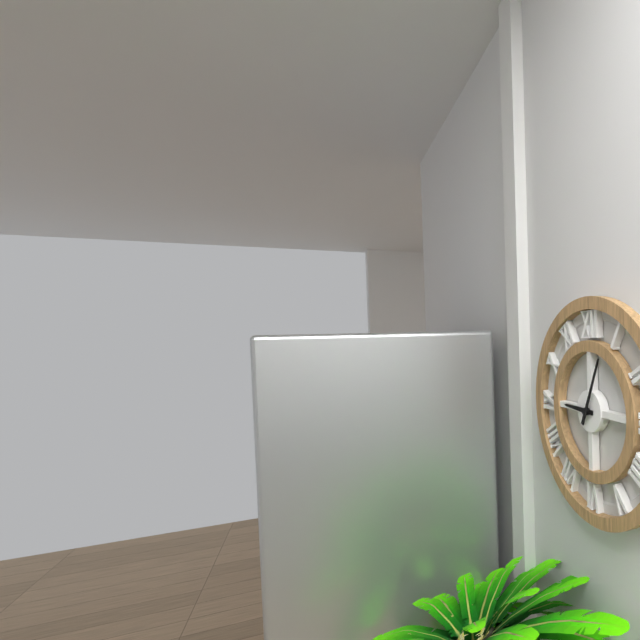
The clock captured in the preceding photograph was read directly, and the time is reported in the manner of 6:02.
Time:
9:04
